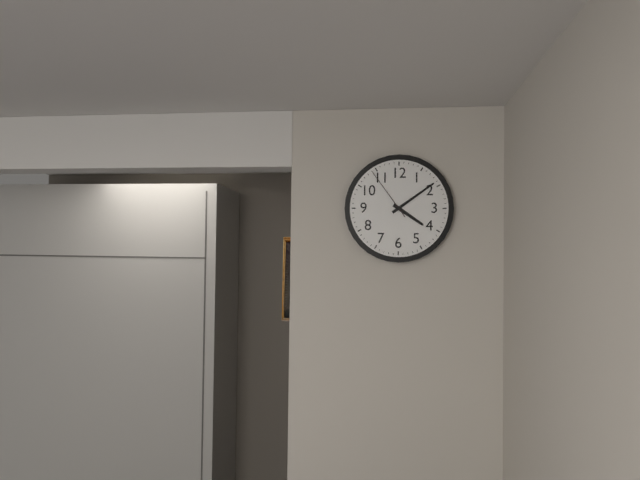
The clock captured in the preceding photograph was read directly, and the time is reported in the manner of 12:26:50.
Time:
4:09:54
